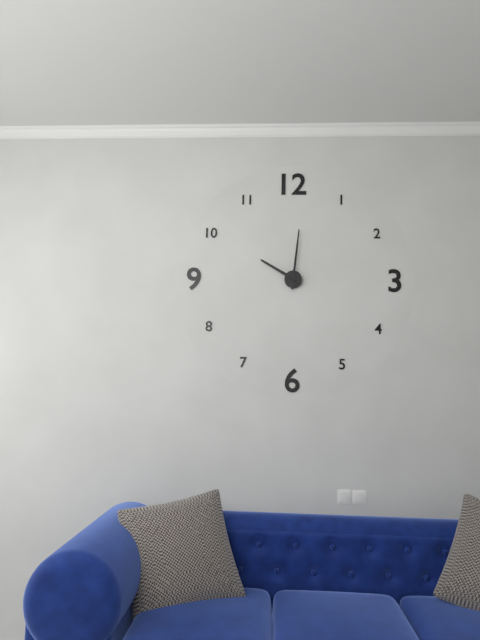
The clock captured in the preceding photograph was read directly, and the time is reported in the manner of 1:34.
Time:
10:01
